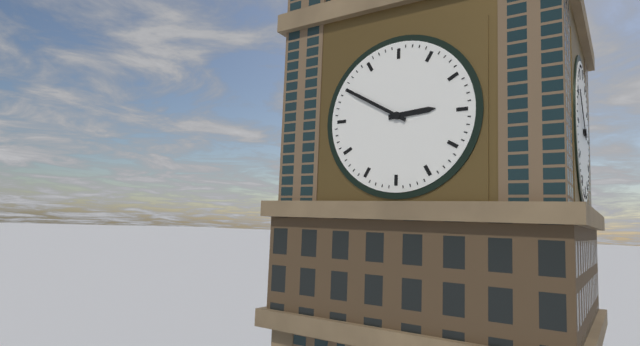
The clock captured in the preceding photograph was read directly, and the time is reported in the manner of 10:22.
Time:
2:50
